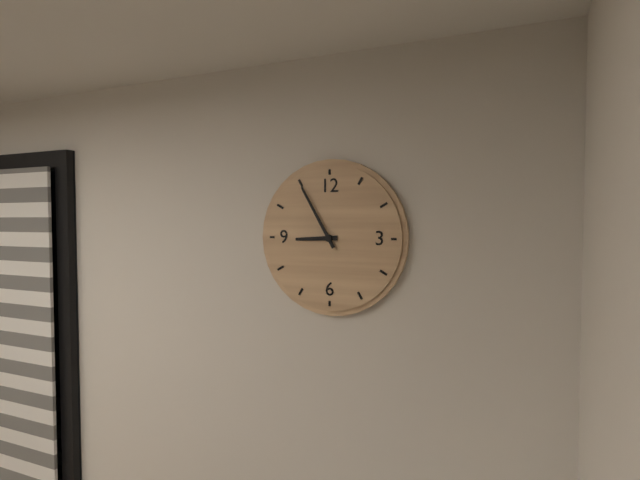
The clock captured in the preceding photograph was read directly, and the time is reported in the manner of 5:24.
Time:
8:55
